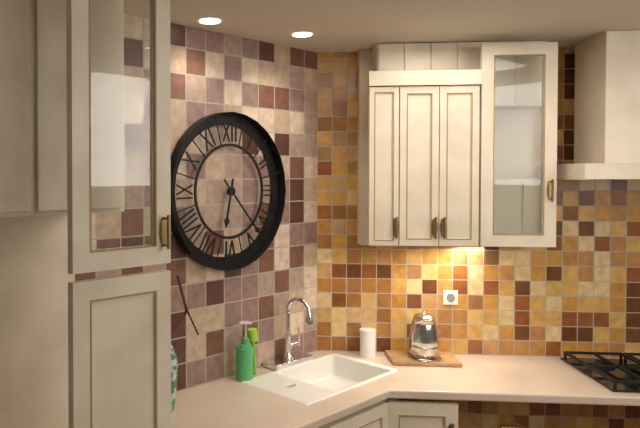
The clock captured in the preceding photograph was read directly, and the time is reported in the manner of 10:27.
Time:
6:23
